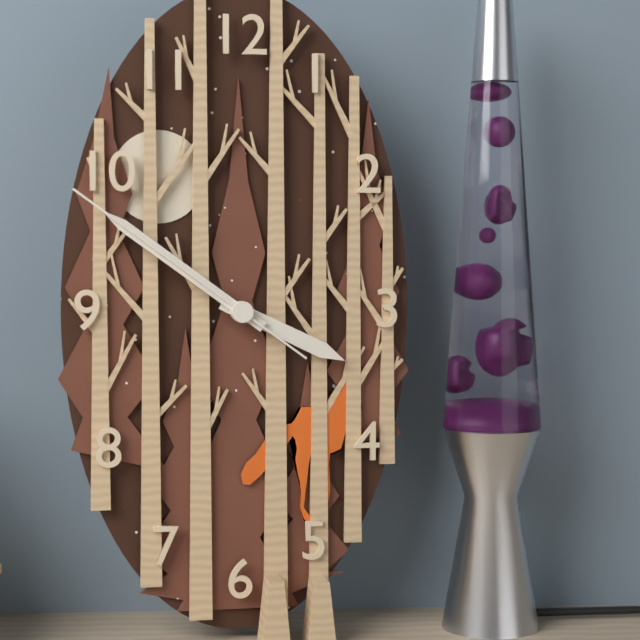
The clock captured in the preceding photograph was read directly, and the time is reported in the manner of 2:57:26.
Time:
3:51:51
